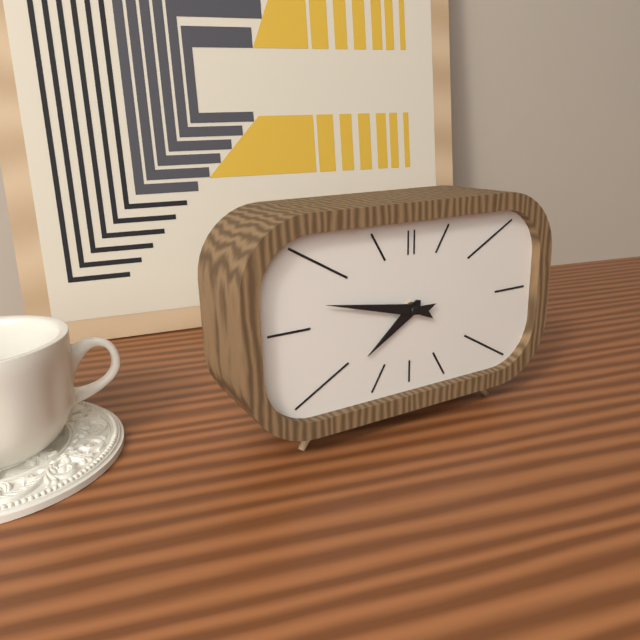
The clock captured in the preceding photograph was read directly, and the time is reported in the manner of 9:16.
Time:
7:47
